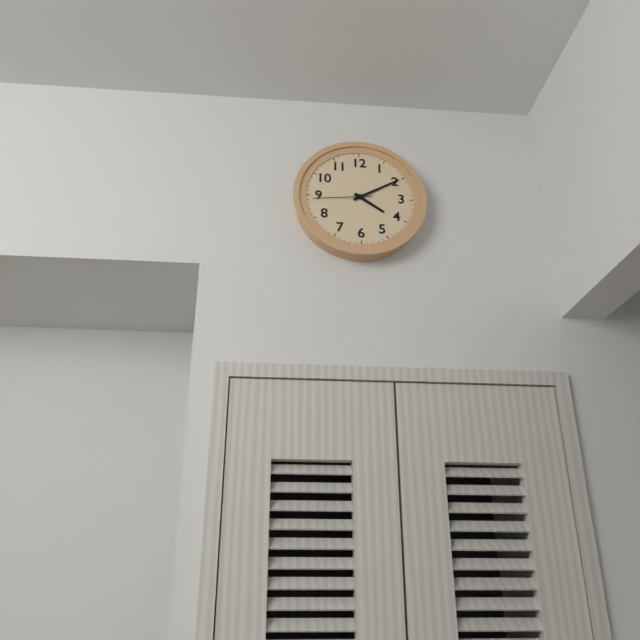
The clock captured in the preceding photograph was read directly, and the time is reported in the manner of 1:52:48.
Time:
4:10:44
